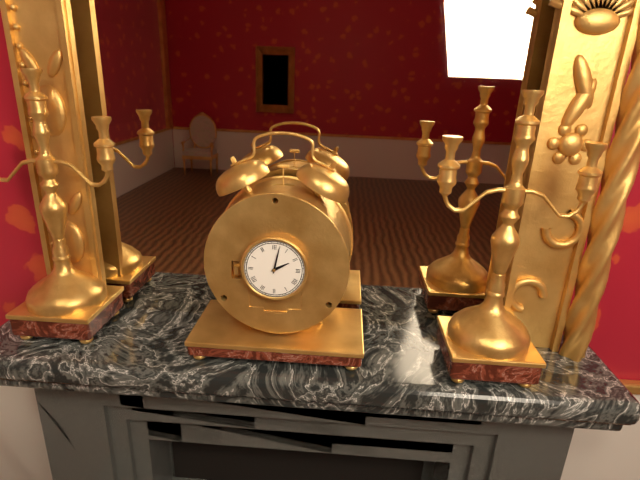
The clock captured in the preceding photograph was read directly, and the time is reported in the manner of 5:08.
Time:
2:02
